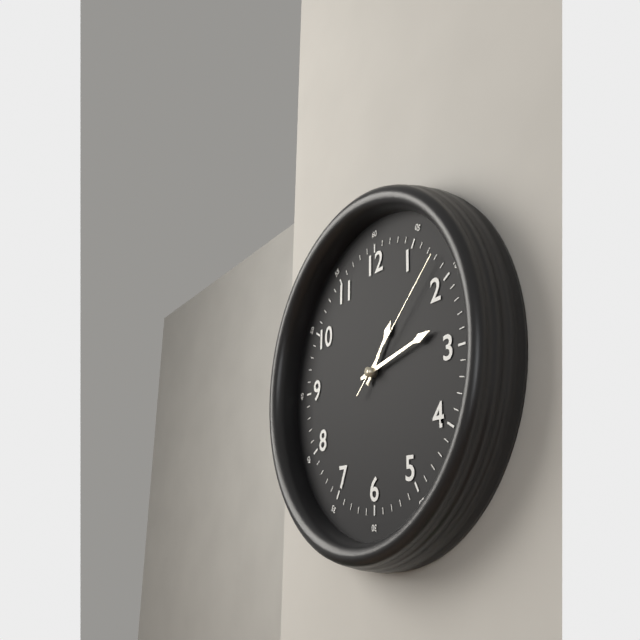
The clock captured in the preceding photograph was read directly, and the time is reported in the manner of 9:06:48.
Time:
1:13:08
